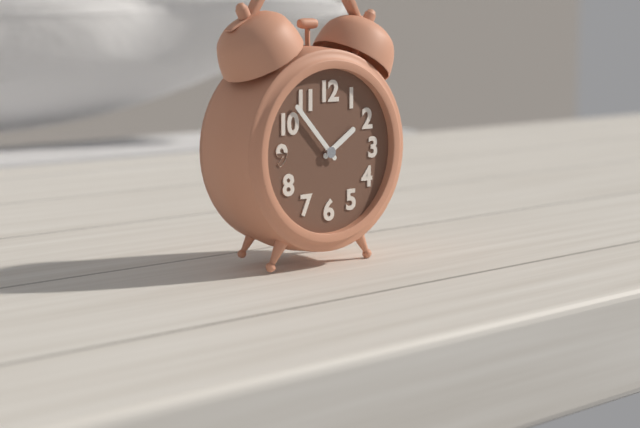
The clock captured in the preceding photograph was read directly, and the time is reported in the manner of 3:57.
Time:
1:53
